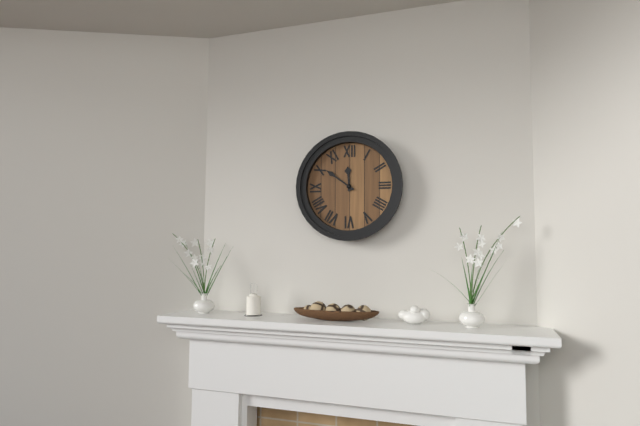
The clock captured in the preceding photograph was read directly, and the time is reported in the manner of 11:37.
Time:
11:51
